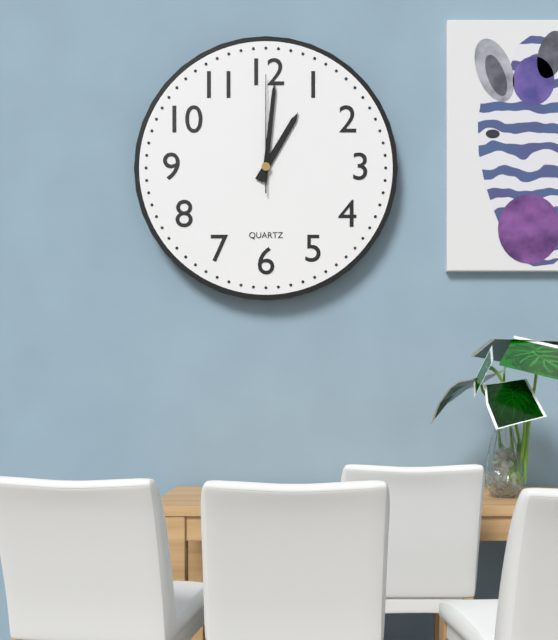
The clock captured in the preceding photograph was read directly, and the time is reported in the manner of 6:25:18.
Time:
1:01:00
